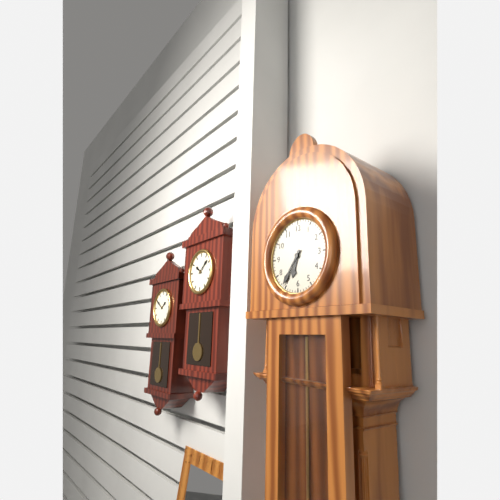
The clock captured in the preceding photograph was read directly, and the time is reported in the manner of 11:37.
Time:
6:36
